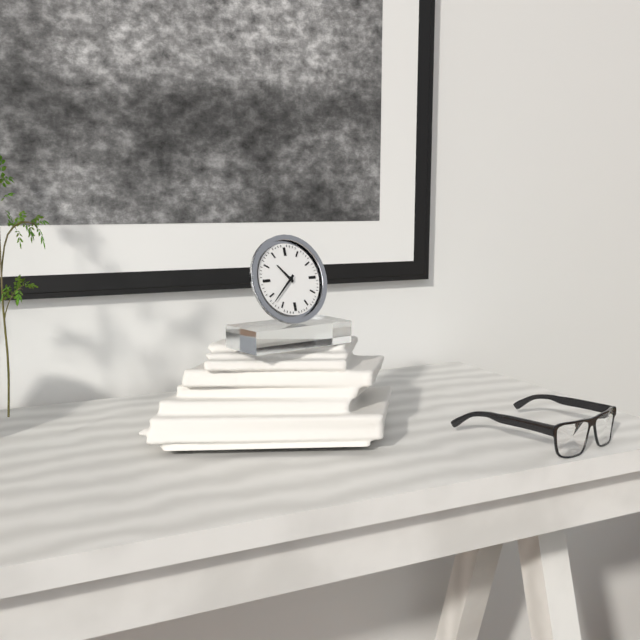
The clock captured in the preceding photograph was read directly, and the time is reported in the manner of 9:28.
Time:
10:38
